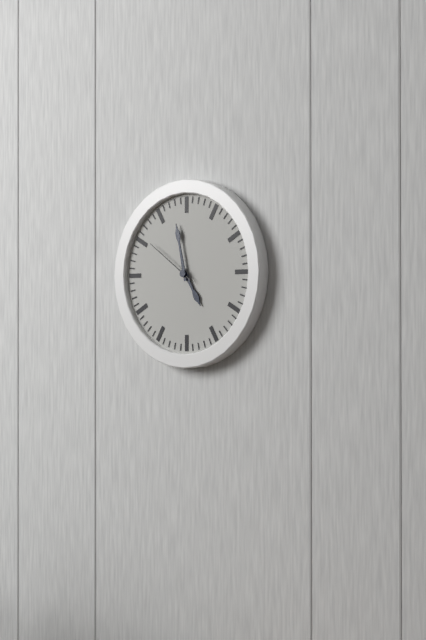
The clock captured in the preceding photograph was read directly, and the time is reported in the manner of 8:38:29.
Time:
4:58:51
